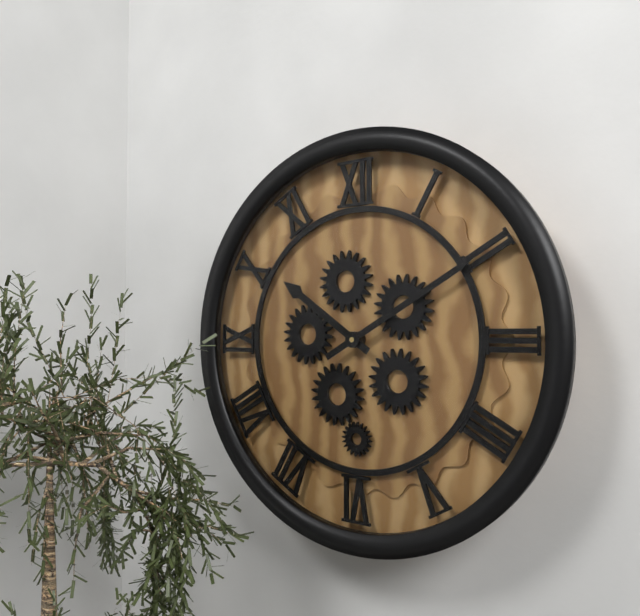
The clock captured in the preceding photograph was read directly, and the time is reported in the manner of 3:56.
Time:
10:10
